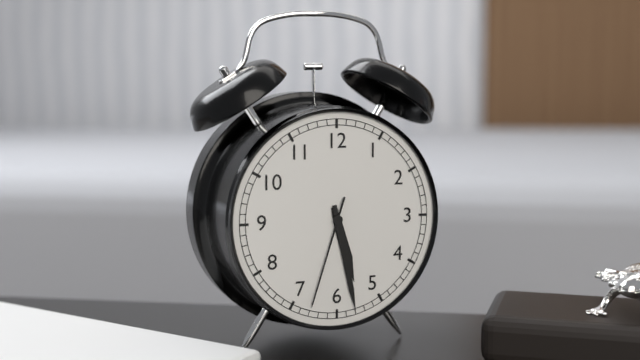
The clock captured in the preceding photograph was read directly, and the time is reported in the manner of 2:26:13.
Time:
5:28:33
